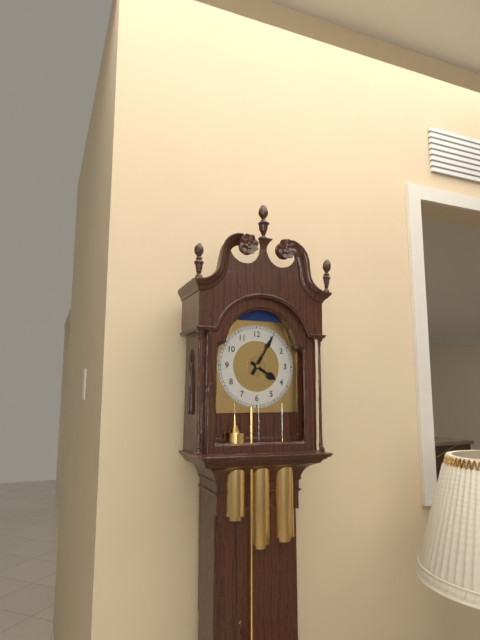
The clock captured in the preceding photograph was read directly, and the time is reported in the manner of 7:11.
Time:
4:05
